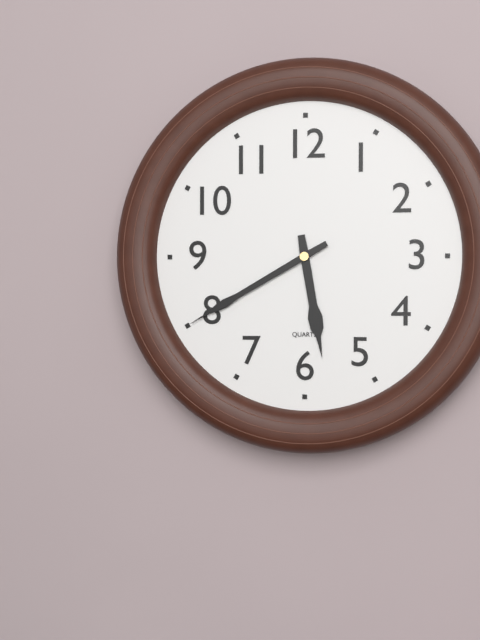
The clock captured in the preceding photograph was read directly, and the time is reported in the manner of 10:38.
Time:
5:40
